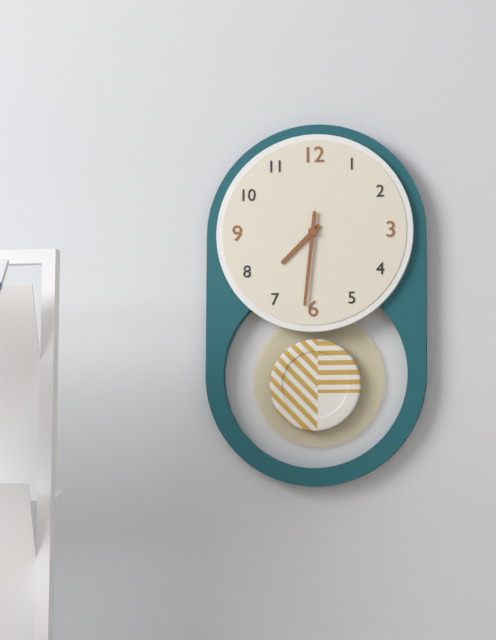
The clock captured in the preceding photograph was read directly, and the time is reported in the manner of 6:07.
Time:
7:31
